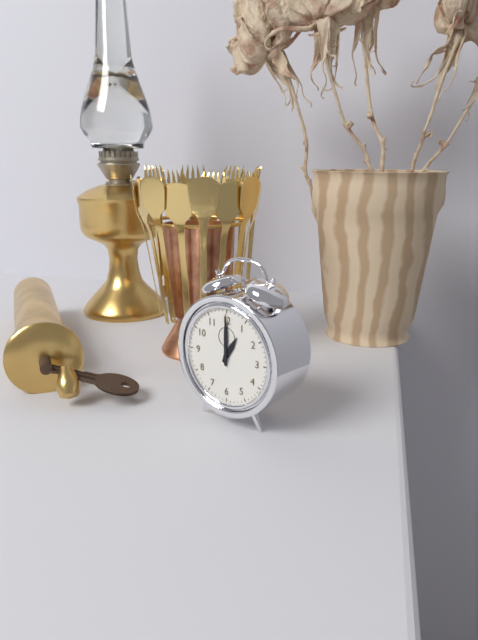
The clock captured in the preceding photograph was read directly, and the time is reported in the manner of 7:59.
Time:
1:00
